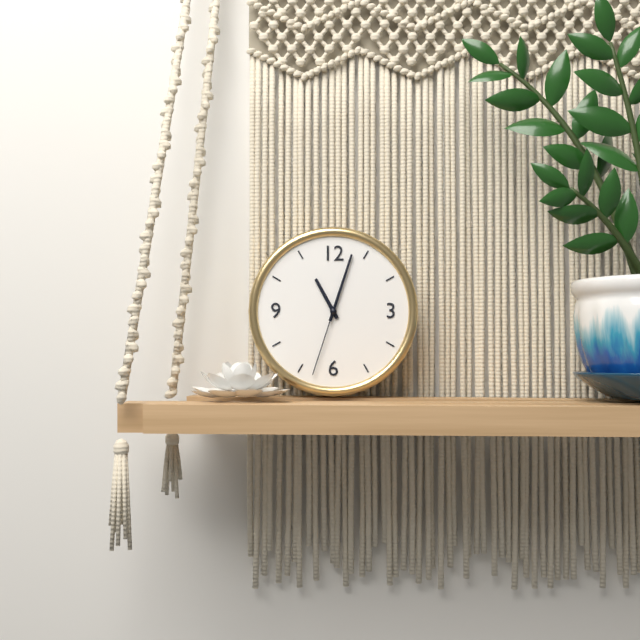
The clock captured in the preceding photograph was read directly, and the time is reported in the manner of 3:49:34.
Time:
11:03:33
